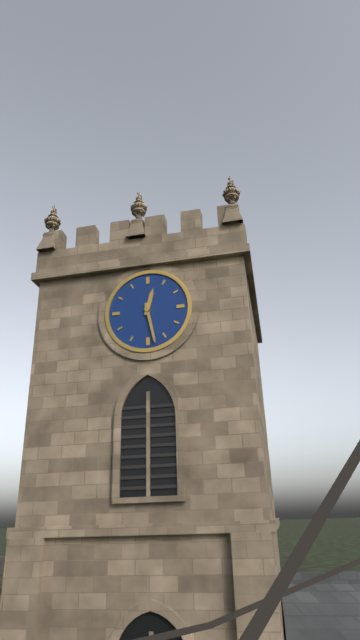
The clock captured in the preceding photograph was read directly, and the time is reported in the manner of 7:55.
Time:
12:28
